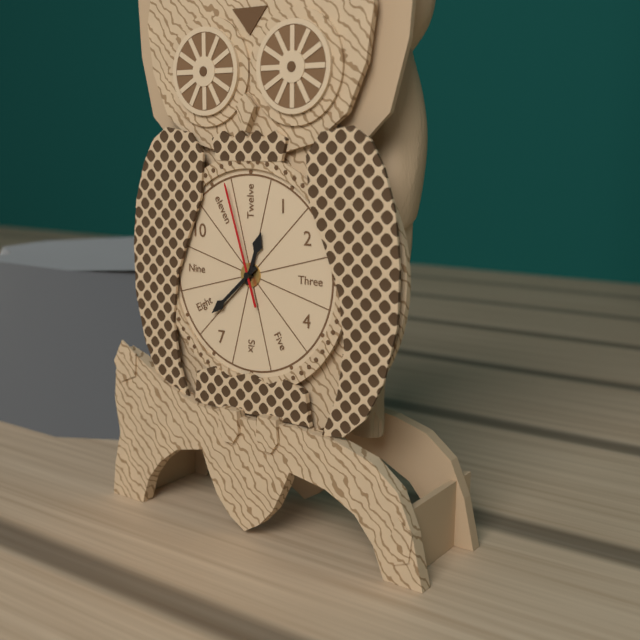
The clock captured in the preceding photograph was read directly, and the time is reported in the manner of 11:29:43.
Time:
12:38:57
